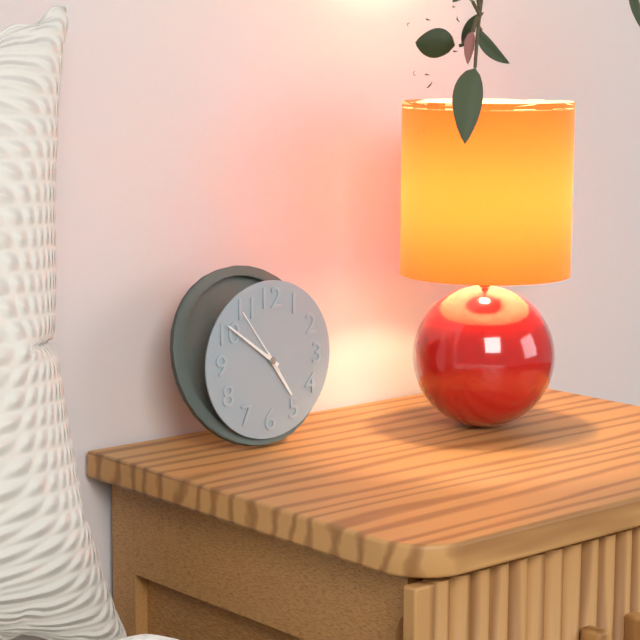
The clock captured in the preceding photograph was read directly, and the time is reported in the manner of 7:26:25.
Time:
4:51:54
